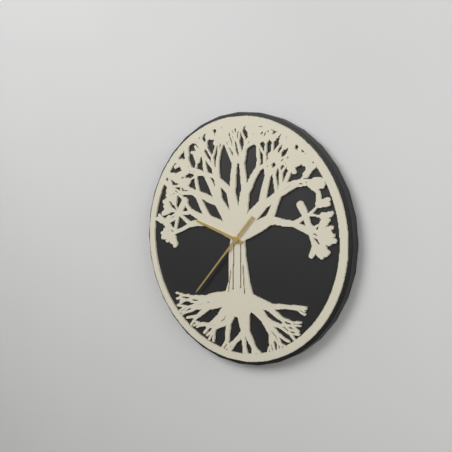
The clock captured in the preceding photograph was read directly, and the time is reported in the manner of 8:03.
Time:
9:37
